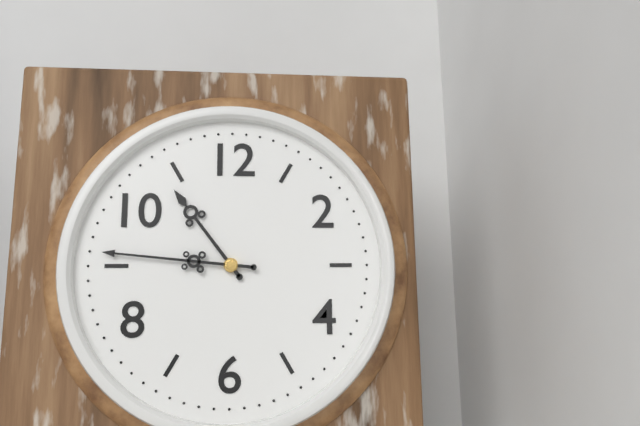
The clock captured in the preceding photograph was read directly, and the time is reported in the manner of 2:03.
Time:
10:46
